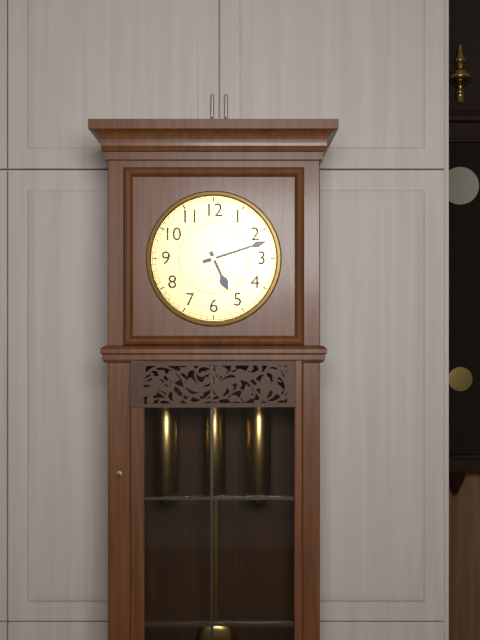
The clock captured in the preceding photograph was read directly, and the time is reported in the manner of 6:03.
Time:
5:12
